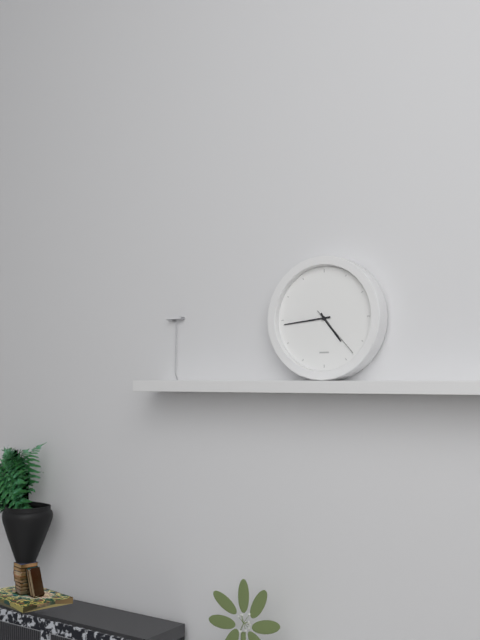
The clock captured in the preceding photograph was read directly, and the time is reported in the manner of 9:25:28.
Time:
4:44:23
